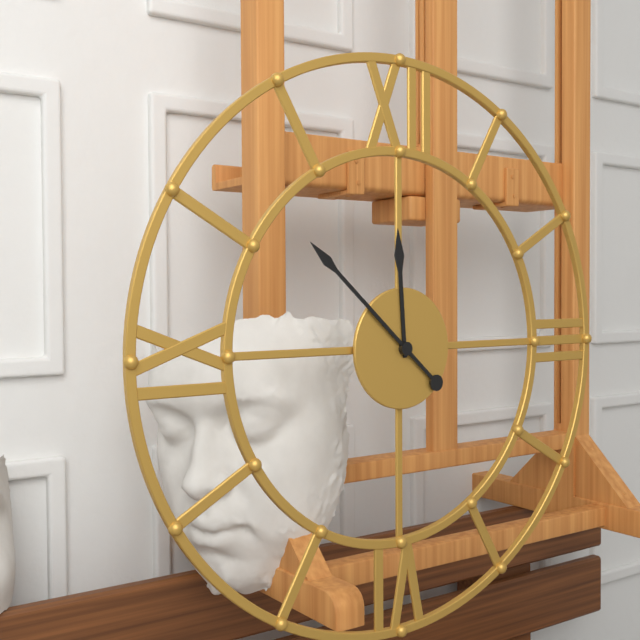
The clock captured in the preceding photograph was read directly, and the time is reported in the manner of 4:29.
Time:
11:52
